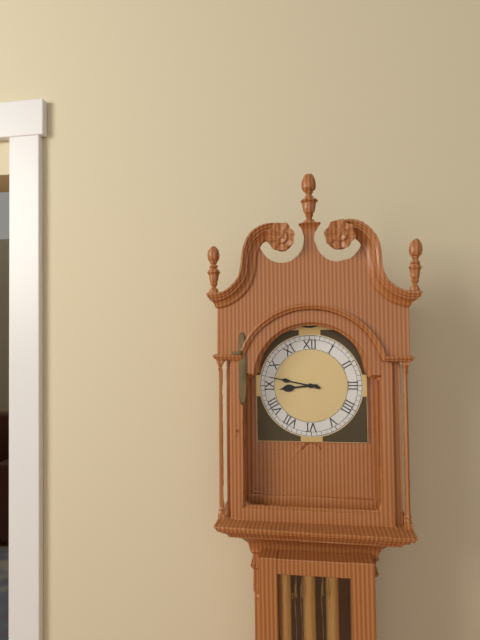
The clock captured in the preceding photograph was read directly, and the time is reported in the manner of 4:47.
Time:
8:47
